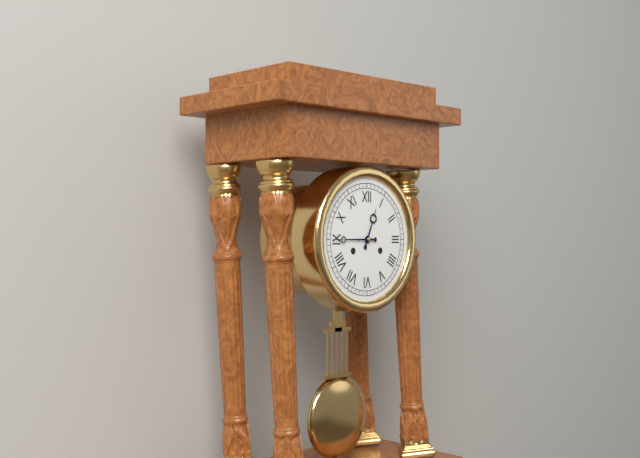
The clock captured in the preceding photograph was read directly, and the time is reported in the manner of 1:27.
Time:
12:45
